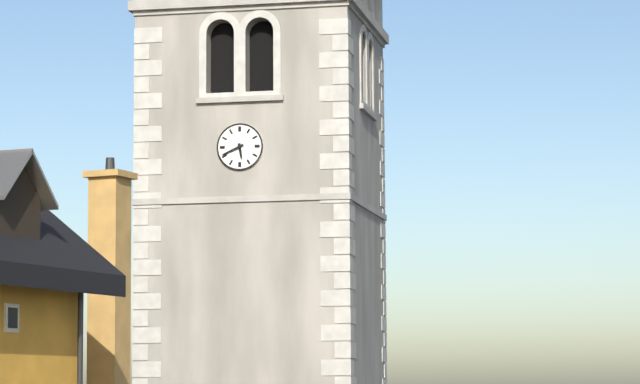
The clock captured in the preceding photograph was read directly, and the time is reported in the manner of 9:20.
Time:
5:41
